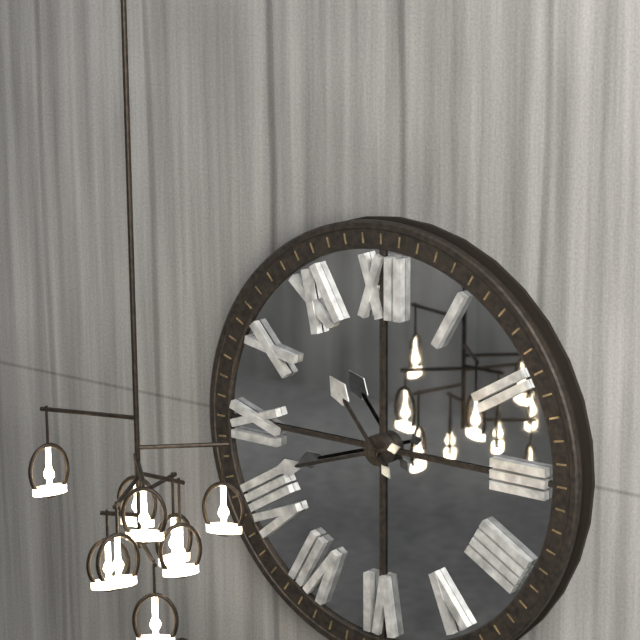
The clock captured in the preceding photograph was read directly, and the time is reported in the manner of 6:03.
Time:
10:42
